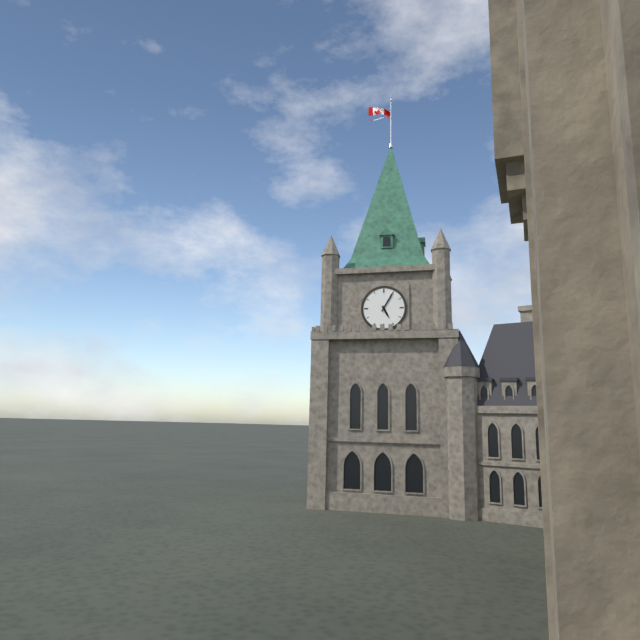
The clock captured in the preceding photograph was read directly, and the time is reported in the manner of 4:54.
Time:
5:05
